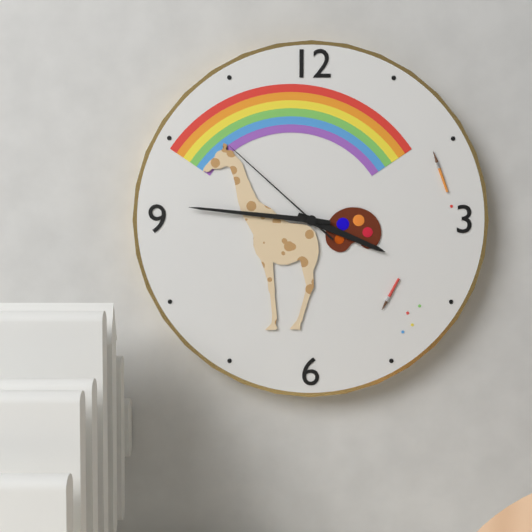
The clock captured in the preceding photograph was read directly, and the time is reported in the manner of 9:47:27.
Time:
3:46:52
